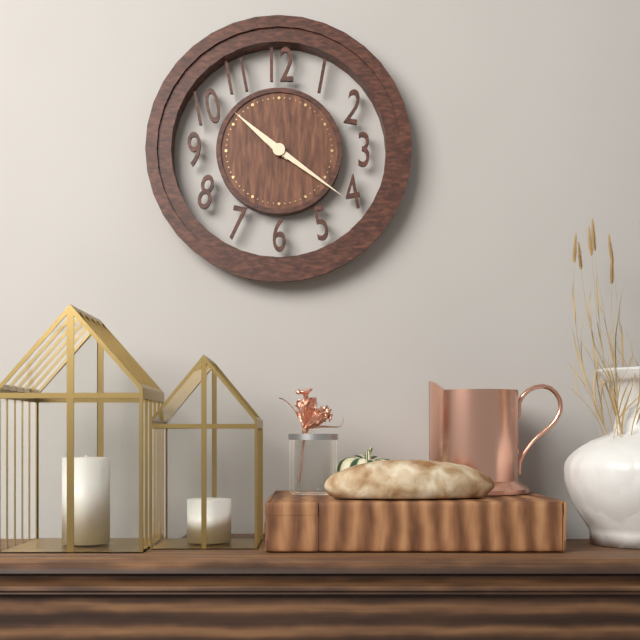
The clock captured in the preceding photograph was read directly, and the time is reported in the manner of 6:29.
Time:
10:21
